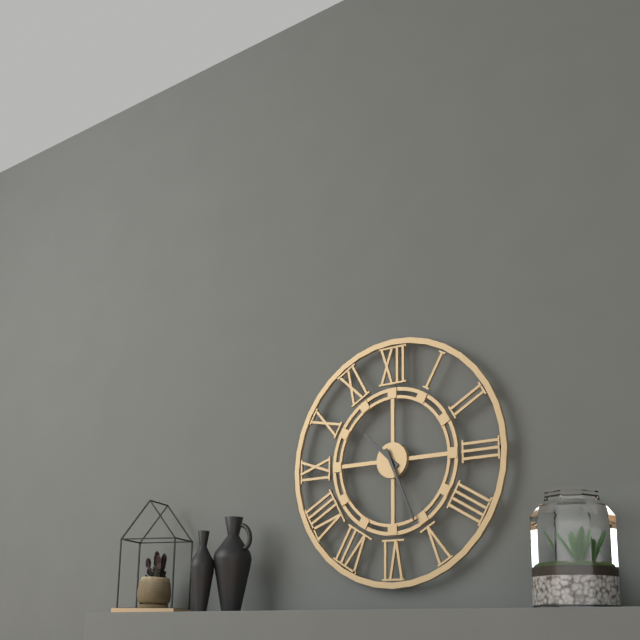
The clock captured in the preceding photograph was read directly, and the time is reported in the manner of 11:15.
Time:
10:26
